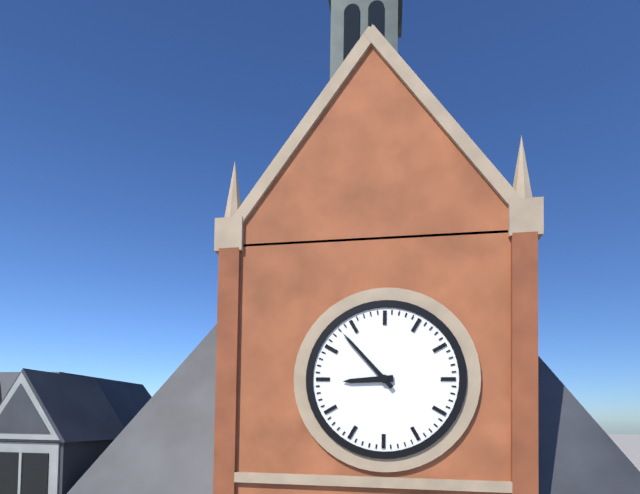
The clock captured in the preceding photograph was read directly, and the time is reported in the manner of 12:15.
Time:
8:53
